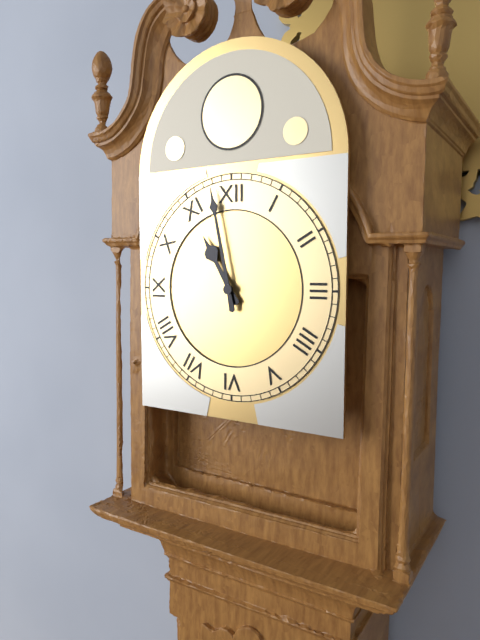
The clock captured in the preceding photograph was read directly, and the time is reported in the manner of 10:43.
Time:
10:58
